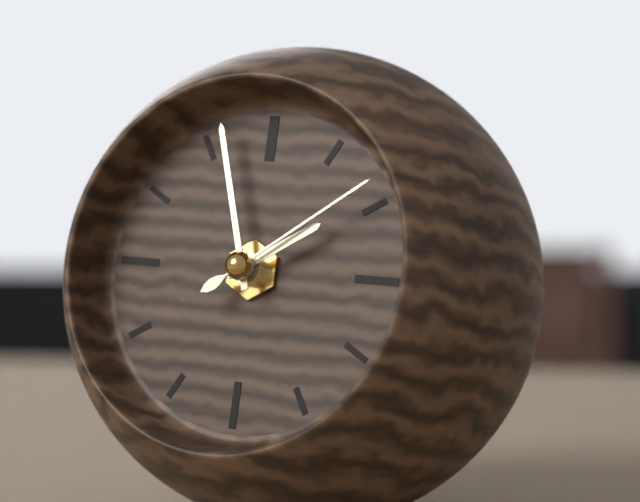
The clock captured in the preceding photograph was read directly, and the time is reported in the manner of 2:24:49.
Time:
1:57:09
